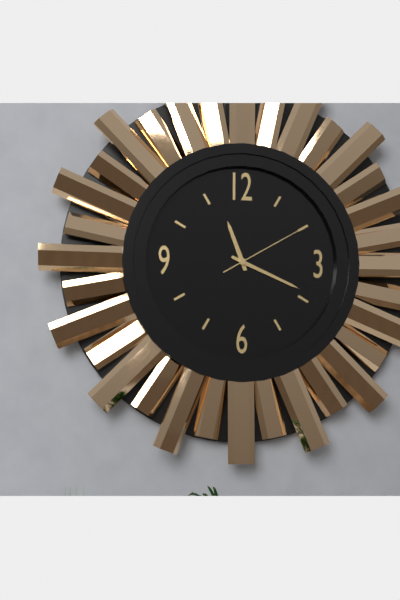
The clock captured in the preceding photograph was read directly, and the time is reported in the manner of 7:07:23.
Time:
11:19:10
